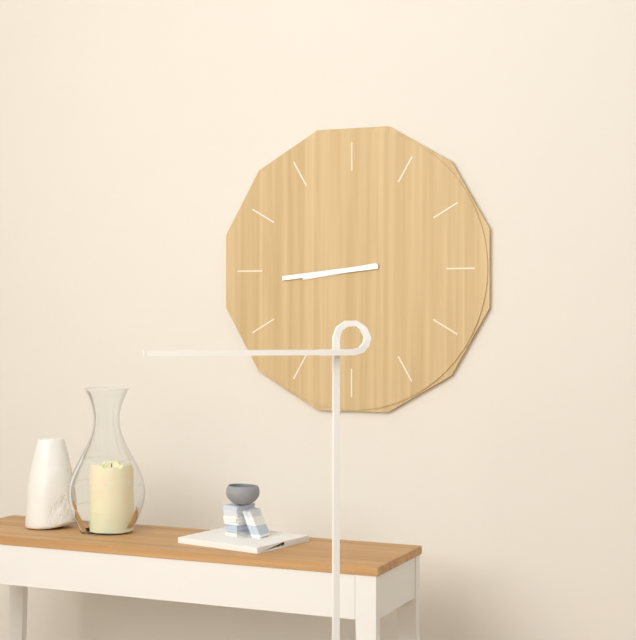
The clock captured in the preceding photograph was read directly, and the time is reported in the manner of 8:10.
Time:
8:44
